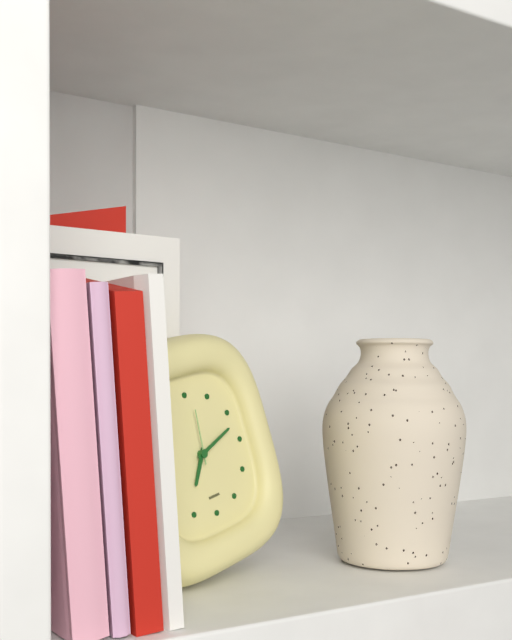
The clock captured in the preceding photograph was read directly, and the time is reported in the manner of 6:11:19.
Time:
7:12:01
